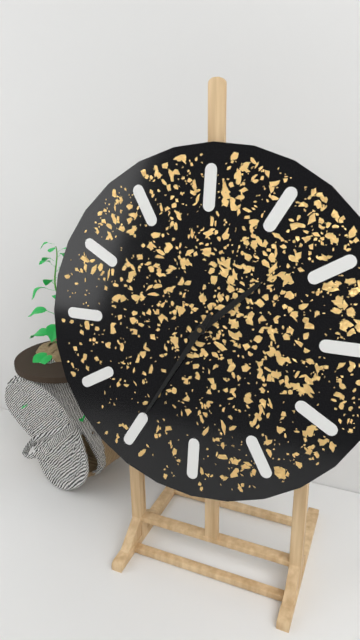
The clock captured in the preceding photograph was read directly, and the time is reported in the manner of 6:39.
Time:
1:35
